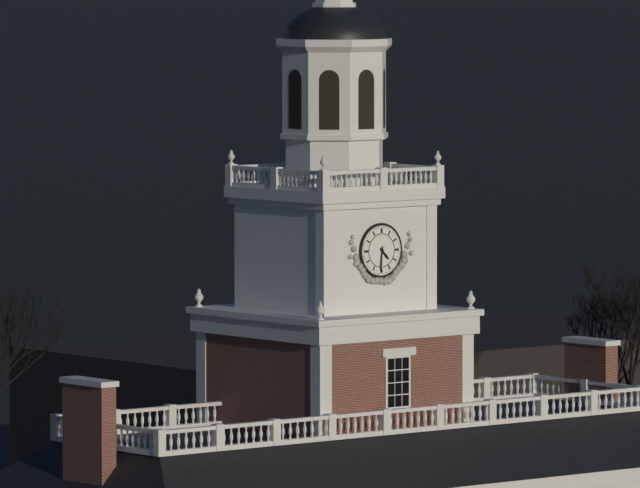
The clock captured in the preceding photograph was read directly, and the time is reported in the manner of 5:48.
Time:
4:31
